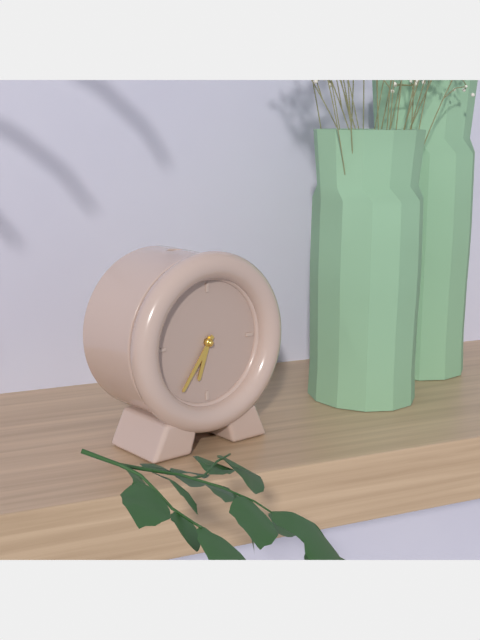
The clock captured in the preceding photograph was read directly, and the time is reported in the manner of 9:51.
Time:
6:36
